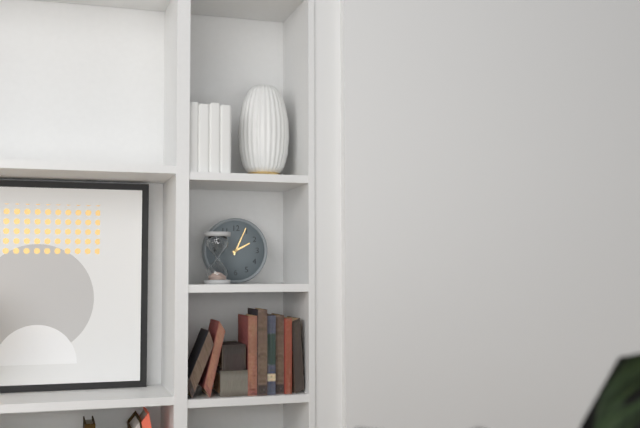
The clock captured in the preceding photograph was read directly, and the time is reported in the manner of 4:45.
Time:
2:04
